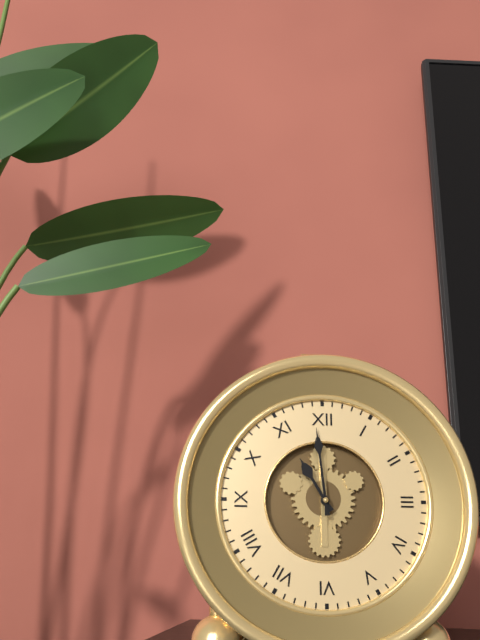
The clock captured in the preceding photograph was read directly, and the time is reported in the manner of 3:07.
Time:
10:59
